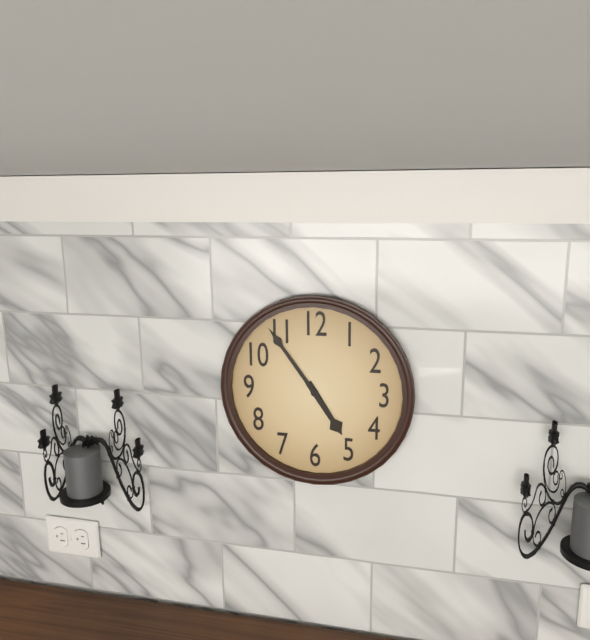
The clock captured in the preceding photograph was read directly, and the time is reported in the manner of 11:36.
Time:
4:54
